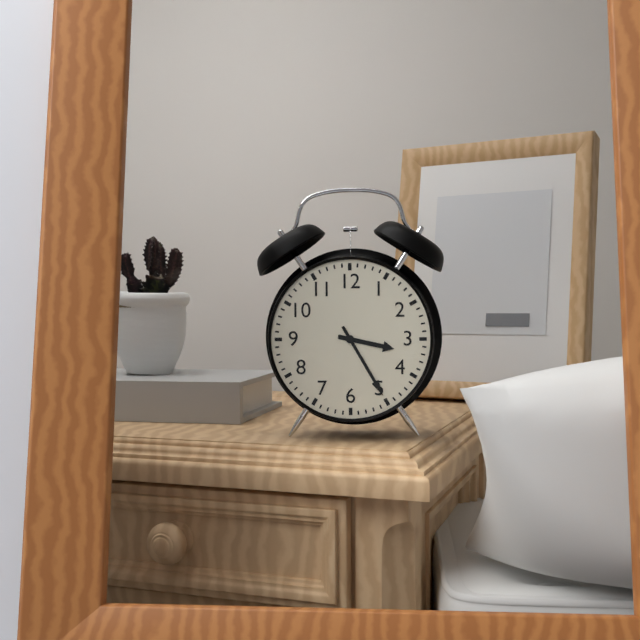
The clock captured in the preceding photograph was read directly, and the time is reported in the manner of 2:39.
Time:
3:25
